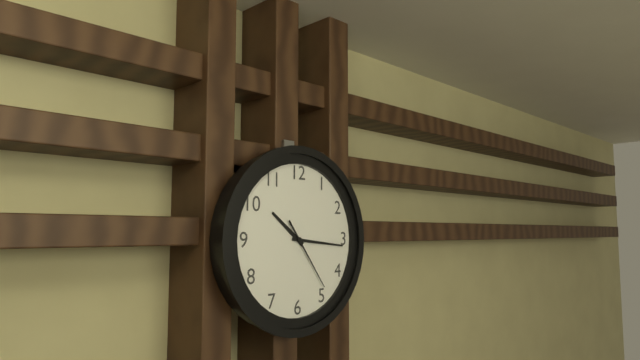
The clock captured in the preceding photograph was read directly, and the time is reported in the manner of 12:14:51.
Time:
10:16:24
